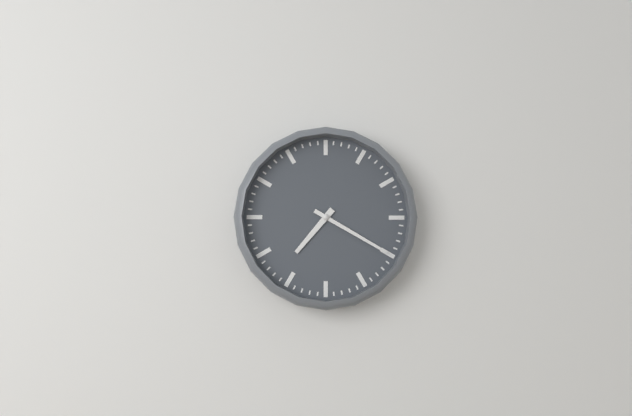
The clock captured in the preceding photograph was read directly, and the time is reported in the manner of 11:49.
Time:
7:20
